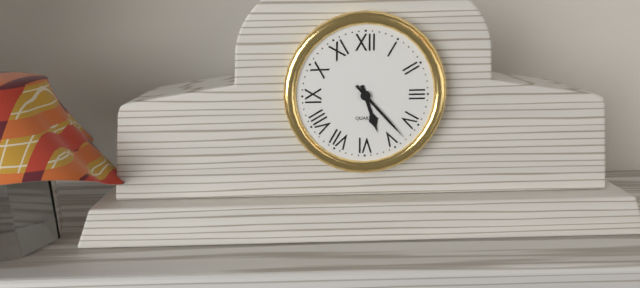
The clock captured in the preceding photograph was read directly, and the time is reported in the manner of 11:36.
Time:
5:23
